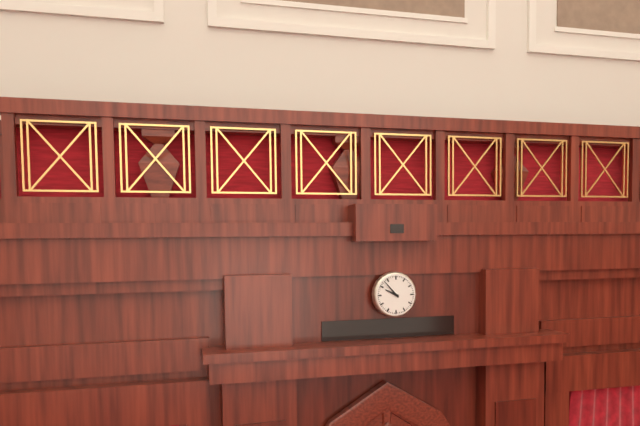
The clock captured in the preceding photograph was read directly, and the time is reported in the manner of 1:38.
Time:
9:53
